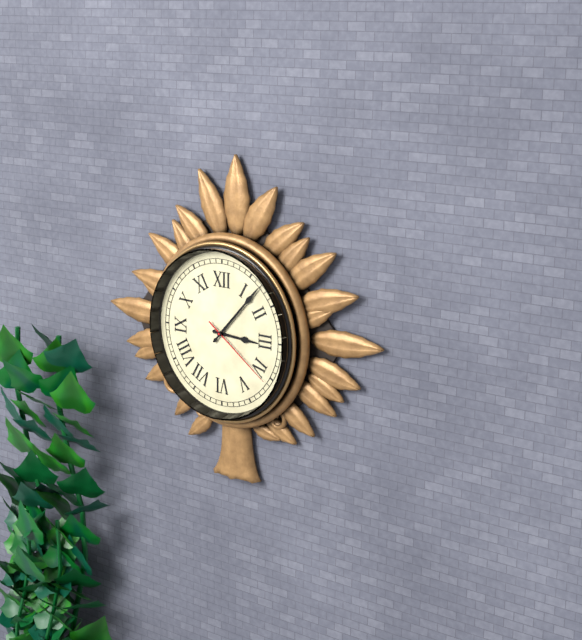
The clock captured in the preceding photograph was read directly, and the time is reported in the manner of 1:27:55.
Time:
3:07:21
